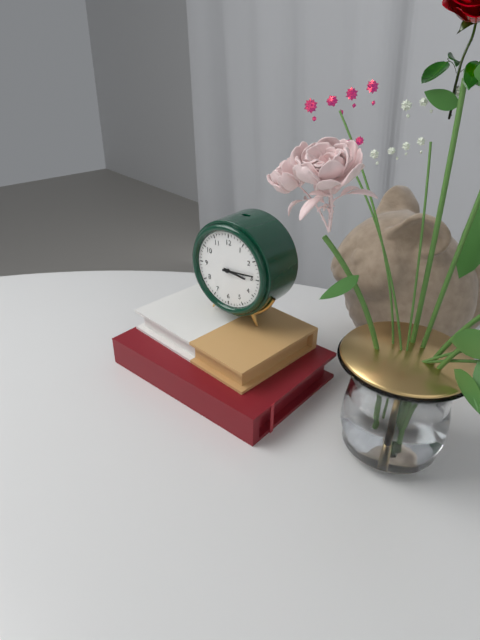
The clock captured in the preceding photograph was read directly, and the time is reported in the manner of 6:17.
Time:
3:14
